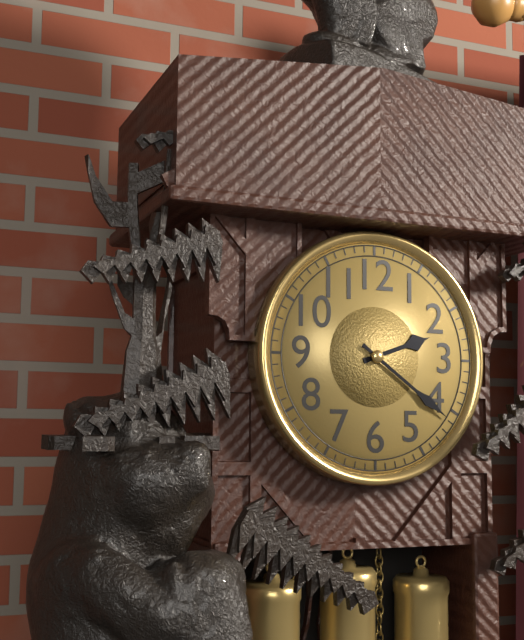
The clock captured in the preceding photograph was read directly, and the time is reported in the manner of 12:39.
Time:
2:21
